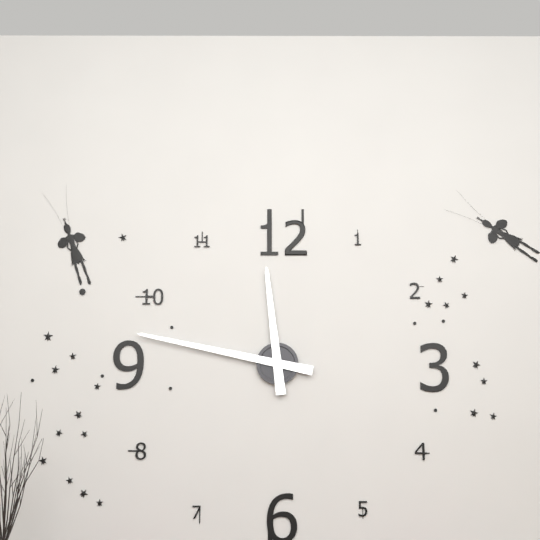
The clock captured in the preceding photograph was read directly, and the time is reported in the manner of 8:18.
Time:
11:47
